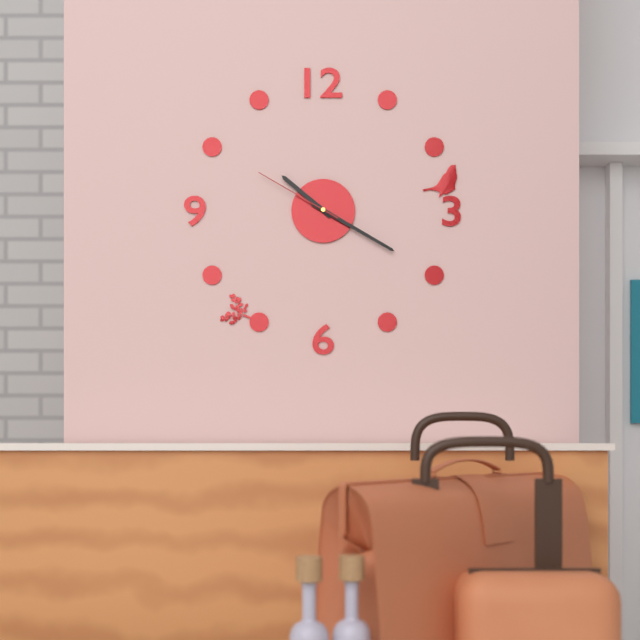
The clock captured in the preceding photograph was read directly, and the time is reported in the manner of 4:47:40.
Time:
10:20:50
